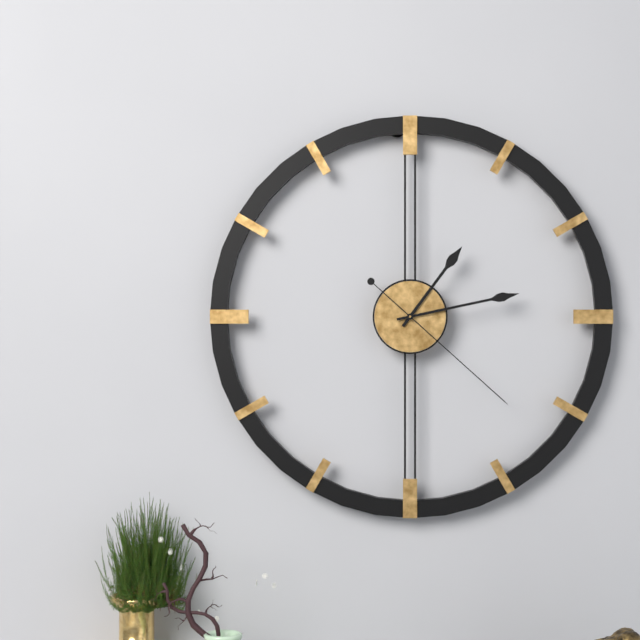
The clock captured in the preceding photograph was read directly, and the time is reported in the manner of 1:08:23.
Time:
1:13:22
